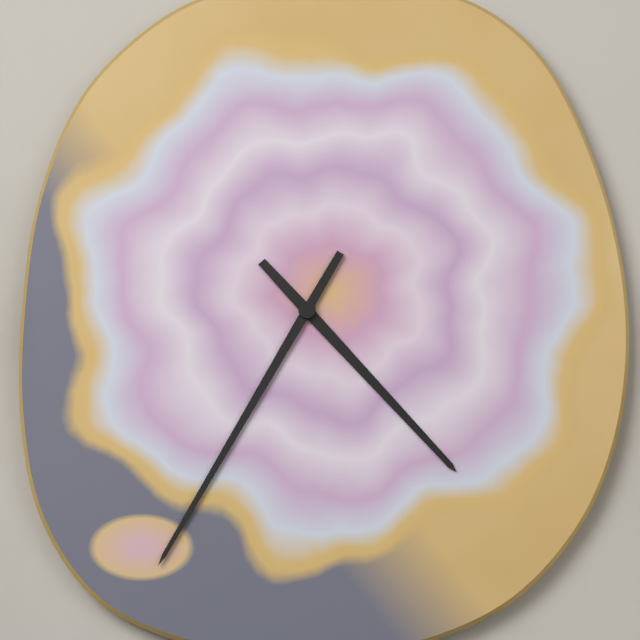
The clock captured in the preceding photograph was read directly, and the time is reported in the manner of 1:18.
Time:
4:35
